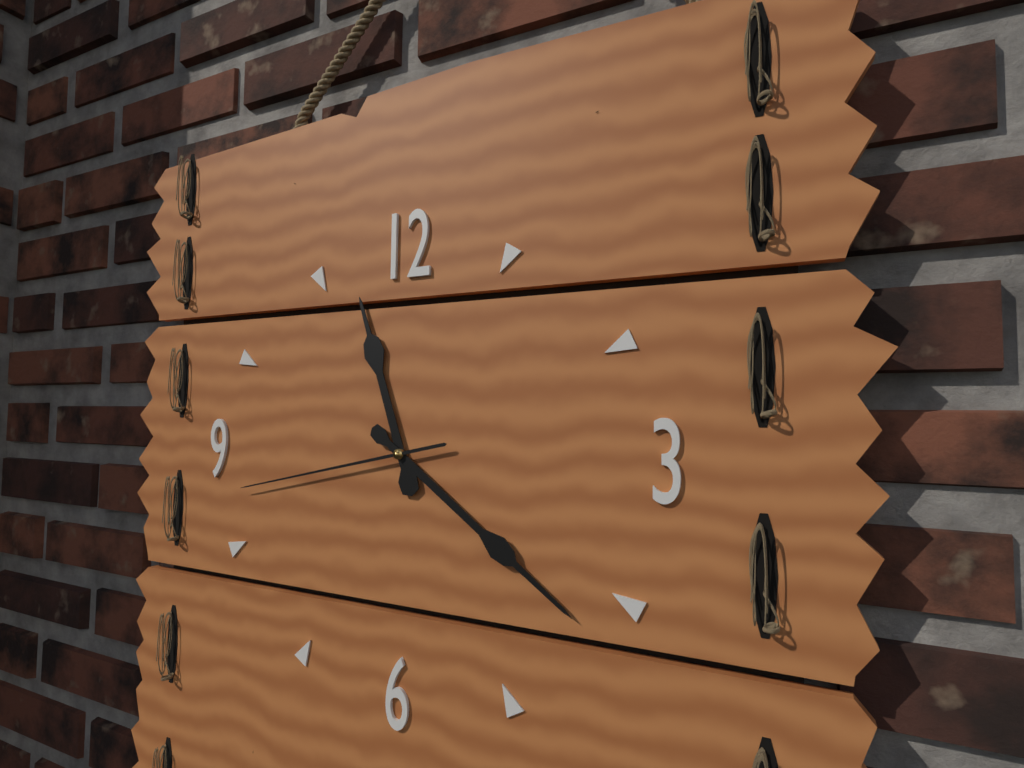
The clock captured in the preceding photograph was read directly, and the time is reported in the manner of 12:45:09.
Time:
11:21:43
